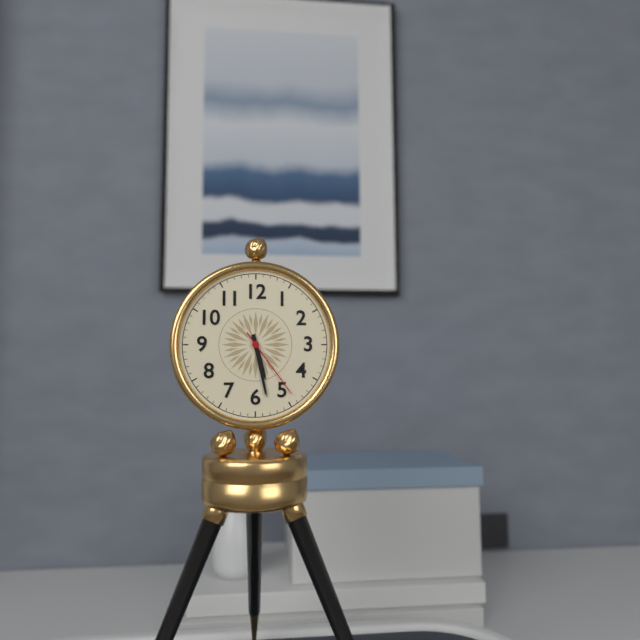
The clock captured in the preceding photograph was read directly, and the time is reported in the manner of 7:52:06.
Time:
5:28:24
